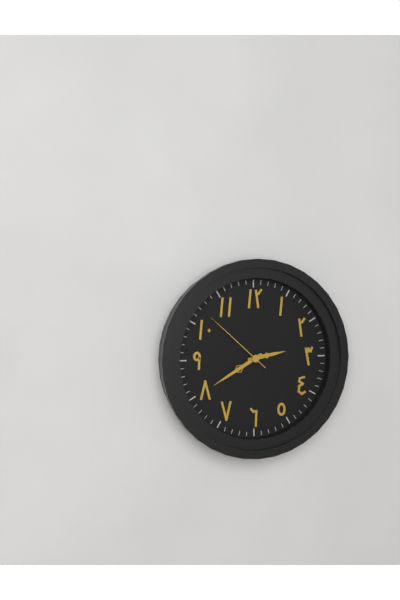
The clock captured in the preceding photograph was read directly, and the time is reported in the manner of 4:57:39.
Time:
2:40:52
